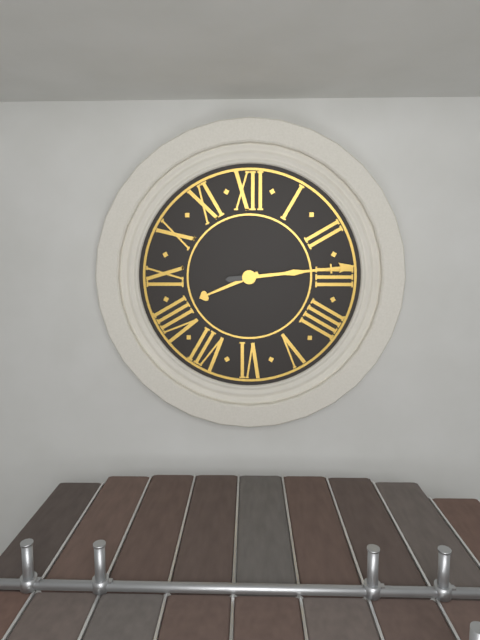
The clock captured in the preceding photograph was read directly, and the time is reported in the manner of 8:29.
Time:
8:14
